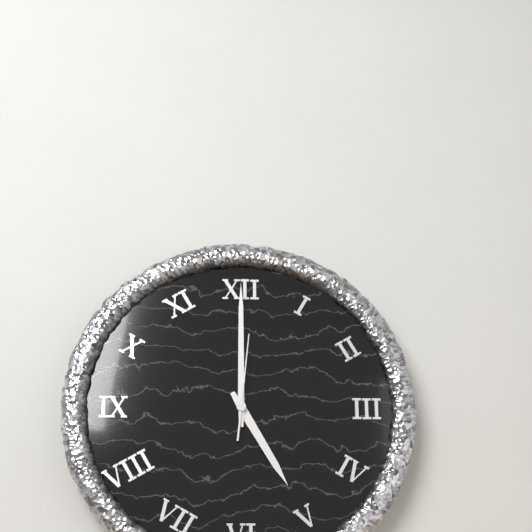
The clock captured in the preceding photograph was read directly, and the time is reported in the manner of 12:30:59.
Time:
5:00:01
